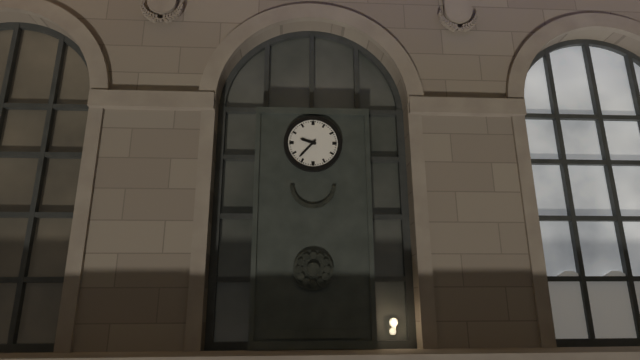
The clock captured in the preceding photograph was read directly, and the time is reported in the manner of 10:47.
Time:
9:37
